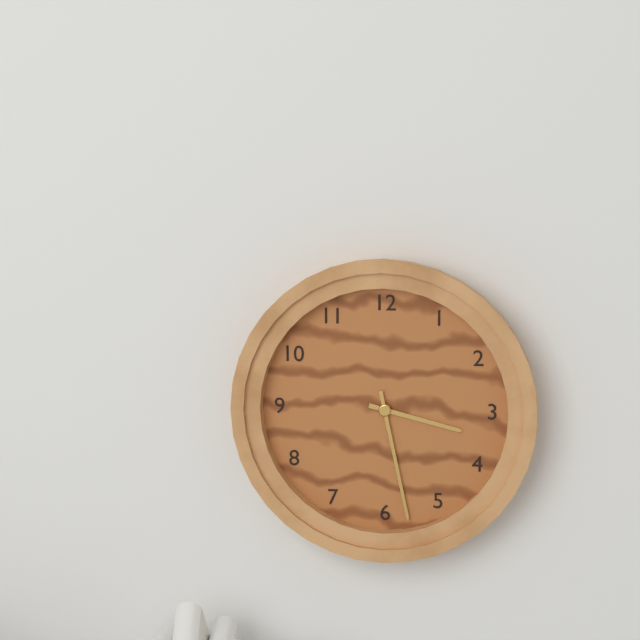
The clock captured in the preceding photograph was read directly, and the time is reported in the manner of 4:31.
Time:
3:28
